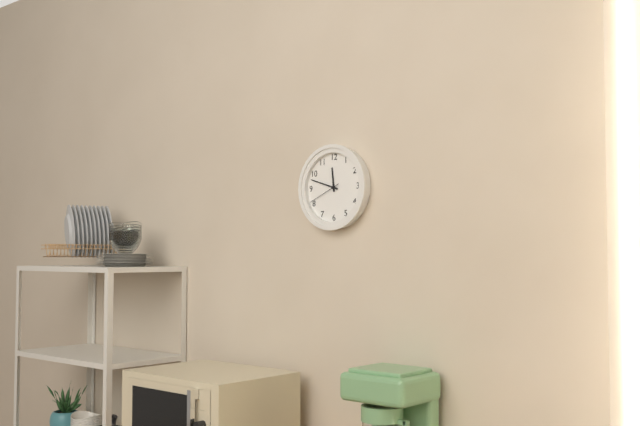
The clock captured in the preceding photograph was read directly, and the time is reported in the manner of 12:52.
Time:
11:48
